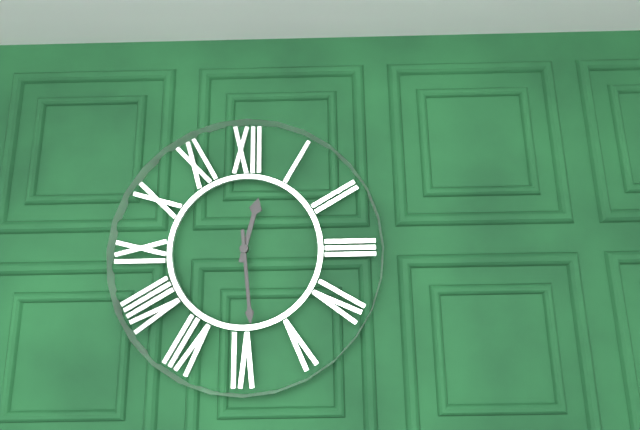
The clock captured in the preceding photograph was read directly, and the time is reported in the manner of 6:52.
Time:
12:29
